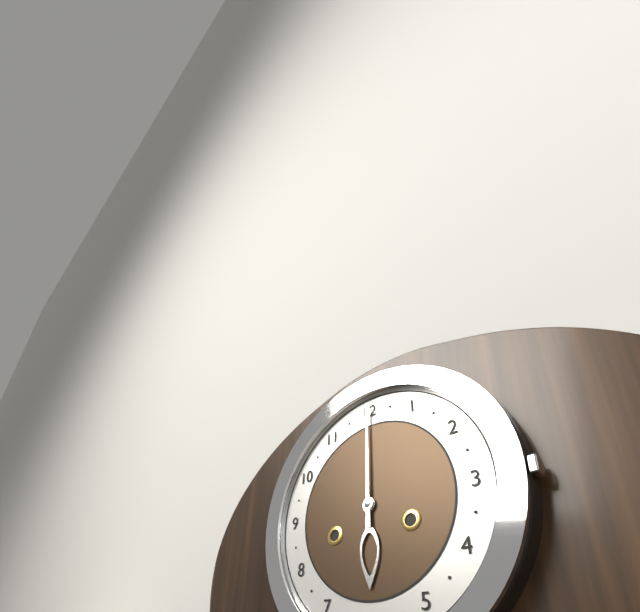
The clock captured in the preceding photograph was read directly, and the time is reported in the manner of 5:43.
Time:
6:00
